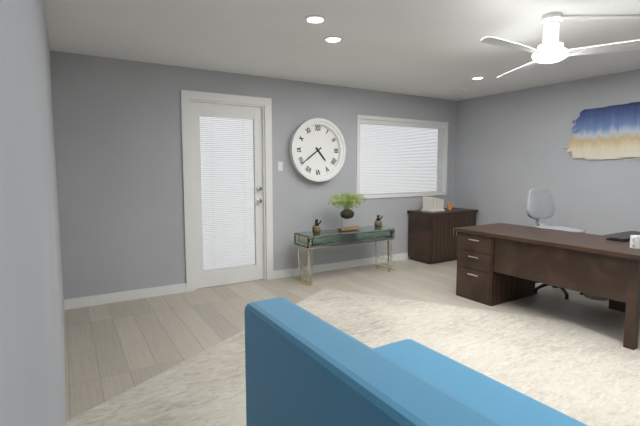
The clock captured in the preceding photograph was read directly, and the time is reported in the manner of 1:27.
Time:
4:39
